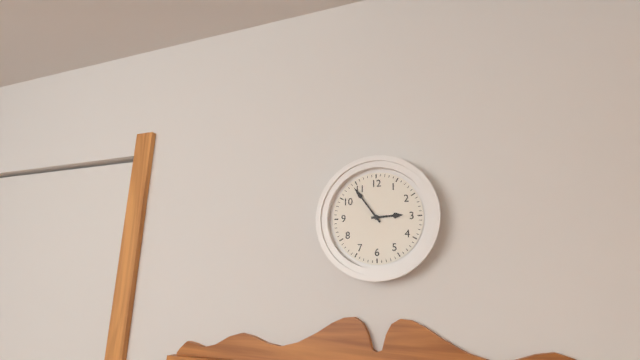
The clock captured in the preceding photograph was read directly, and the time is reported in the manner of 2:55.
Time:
2:54
